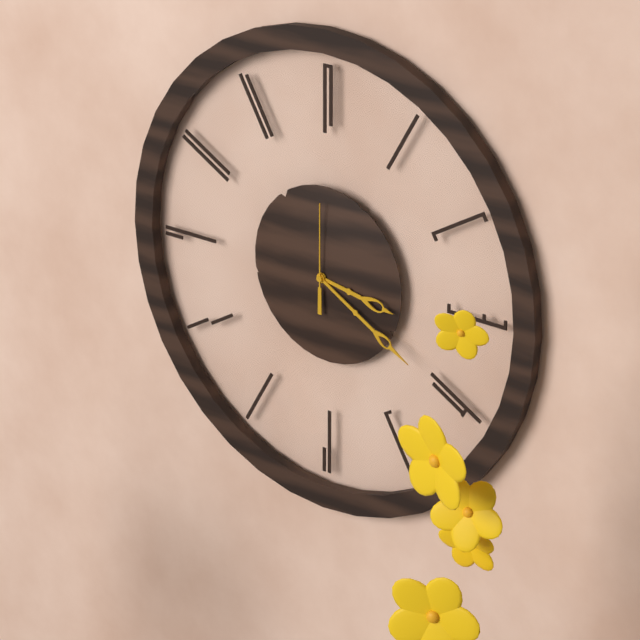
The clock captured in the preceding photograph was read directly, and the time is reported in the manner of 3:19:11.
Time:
3:20:00
